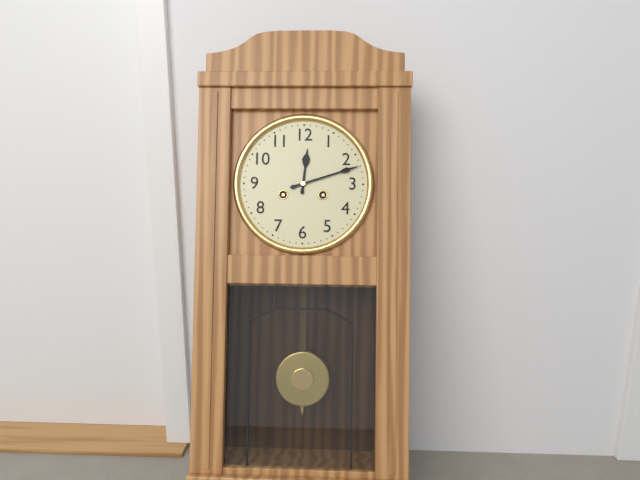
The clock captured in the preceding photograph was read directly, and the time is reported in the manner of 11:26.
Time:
12:12
